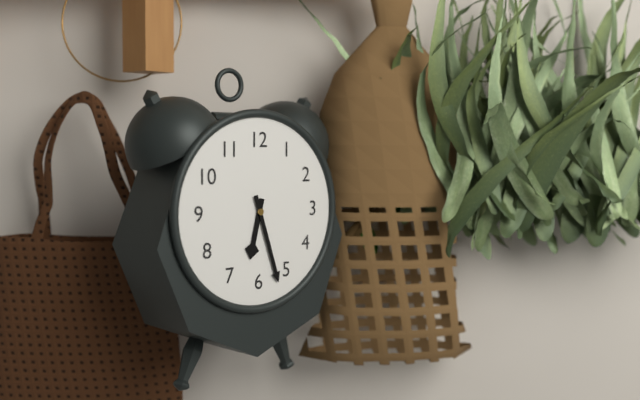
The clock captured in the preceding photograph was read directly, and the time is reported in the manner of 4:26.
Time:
6:27
